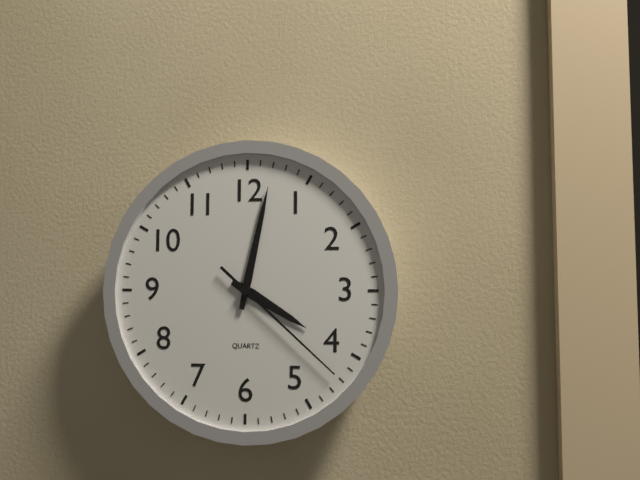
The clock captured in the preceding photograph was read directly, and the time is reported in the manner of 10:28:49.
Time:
4:02:22
